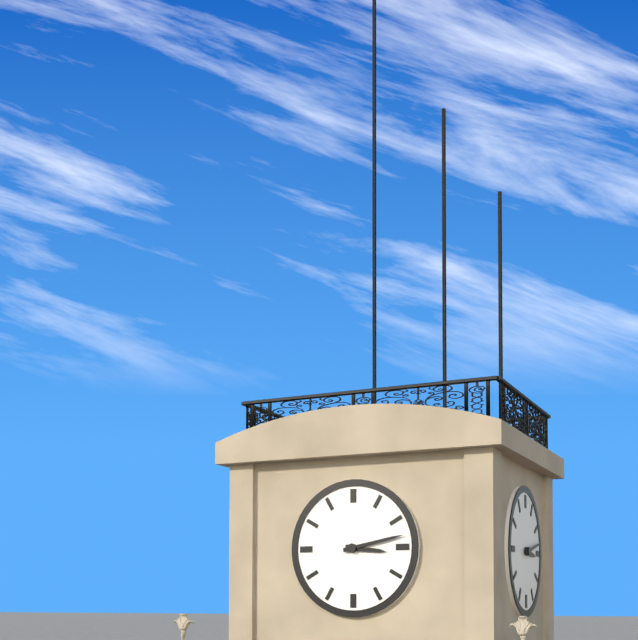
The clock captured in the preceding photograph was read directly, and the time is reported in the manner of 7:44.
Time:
3:13
